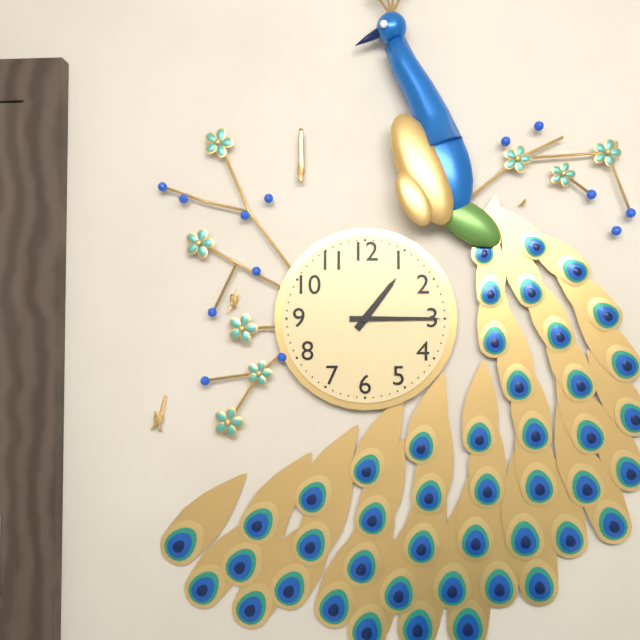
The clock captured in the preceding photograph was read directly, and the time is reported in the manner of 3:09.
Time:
1:15
